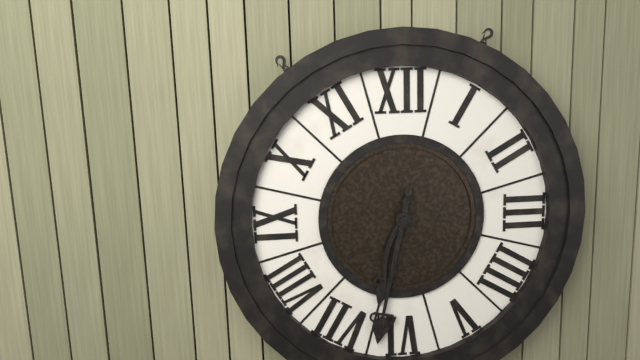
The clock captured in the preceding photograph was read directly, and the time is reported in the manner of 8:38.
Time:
6:32
